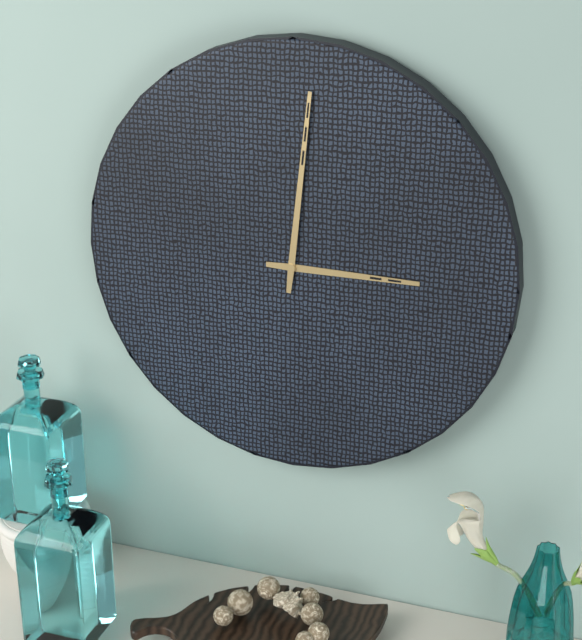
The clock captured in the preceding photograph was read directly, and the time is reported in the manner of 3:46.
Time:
3:01
